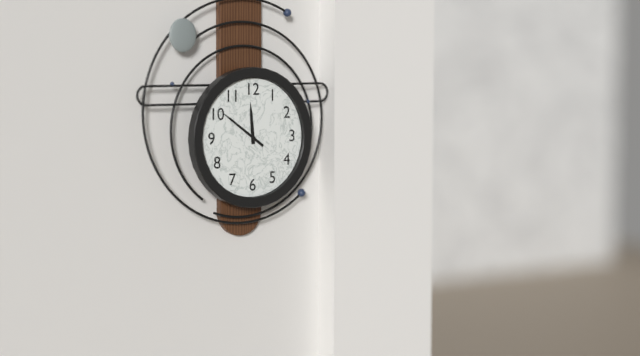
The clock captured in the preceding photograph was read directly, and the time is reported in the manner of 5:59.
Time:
11:51
